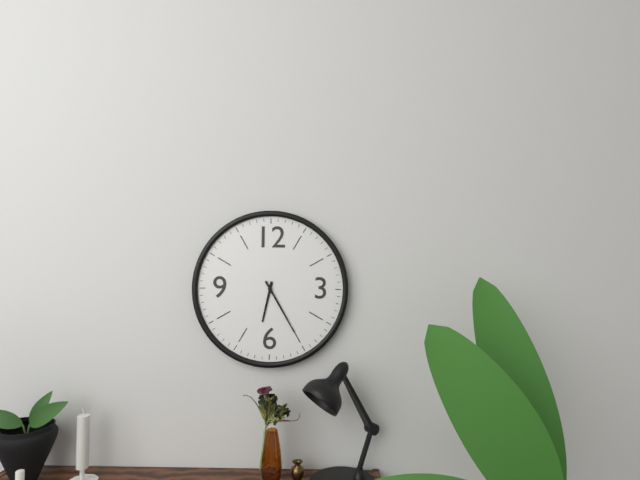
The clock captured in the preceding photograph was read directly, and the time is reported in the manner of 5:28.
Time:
6:25
